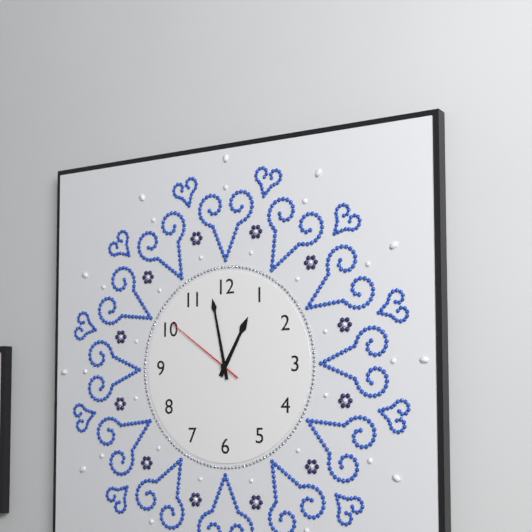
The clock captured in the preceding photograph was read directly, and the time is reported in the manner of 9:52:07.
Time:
12:58:51
